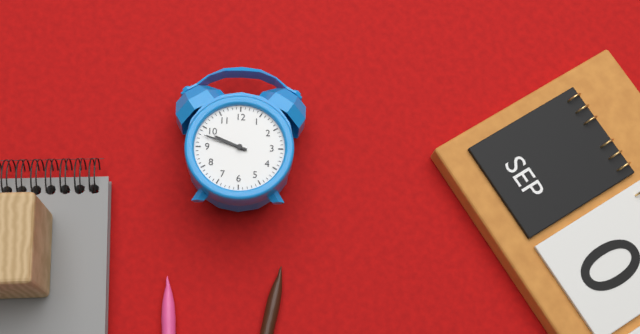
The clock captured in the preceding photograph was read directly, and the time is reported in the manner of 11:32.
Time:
9:48
